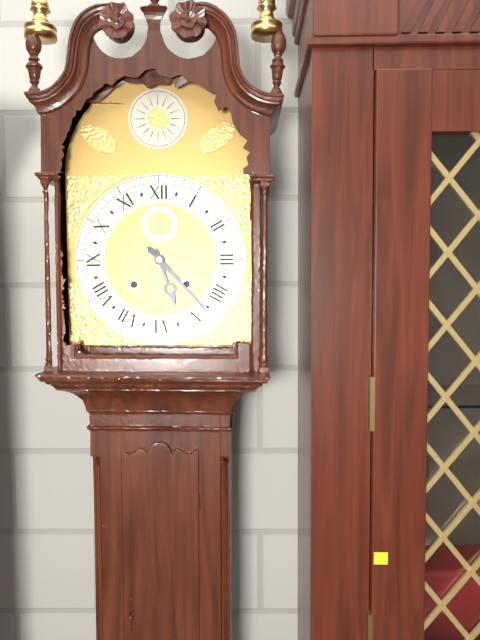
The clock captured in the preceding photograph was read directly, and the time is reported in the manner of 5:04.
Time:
5:23
